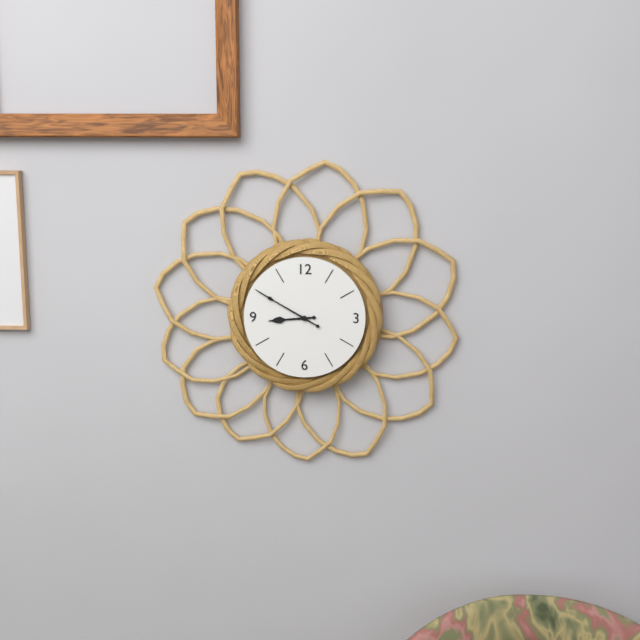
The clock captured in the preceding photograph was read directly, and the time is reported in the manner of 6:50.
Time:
8:50
